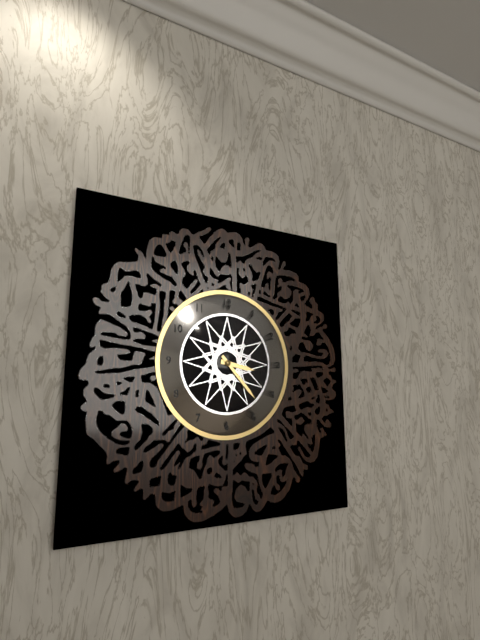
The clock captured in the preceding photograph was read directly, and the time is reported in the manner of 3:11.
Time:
3:23
